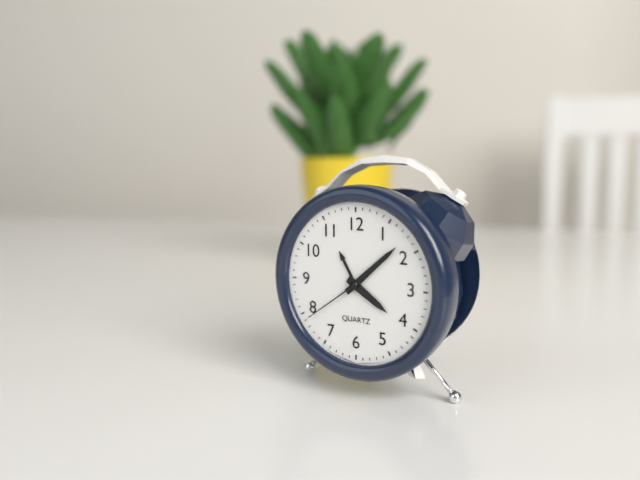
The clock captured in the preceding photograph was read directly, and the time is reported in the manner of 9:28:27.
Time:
4:08:39
